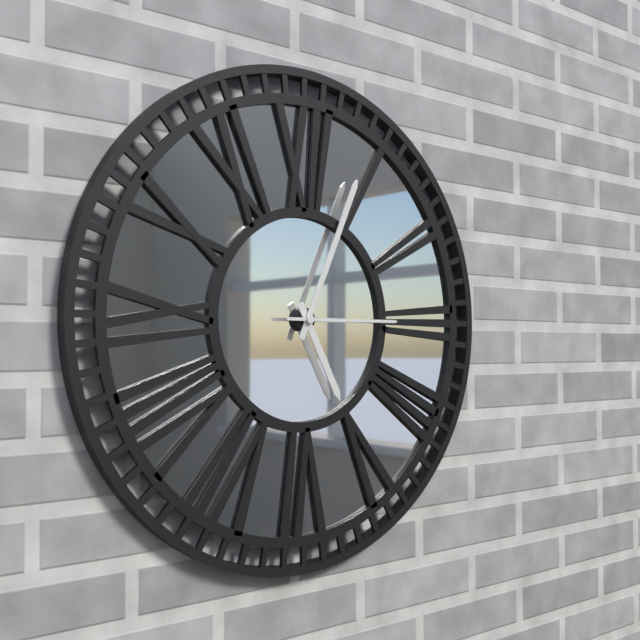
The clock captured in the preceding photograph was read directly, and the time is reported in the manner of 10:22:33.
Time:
5:04:15
